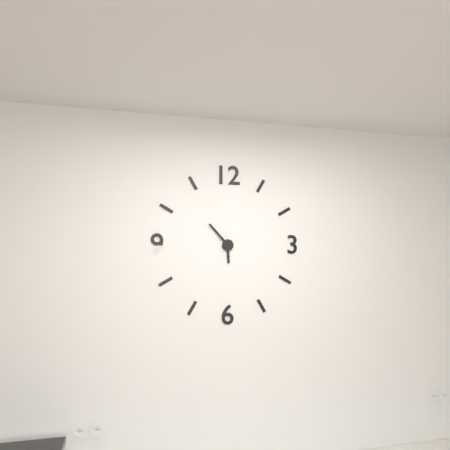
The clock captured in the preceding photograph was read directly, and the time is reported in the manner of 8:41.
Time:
5:53
